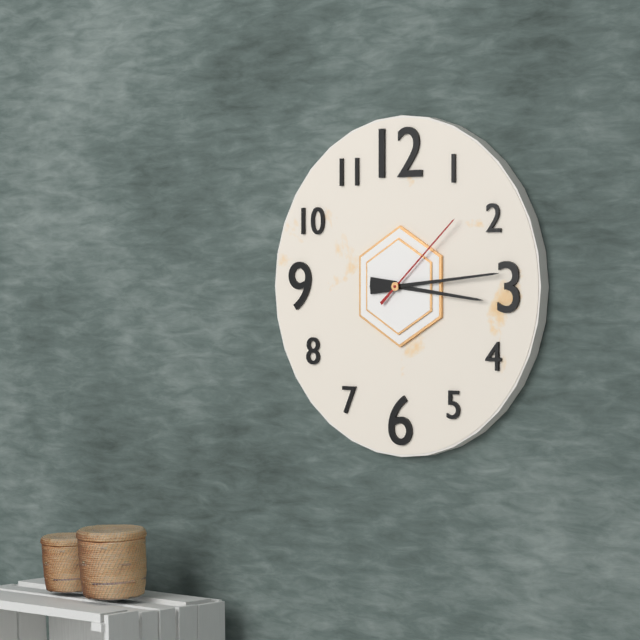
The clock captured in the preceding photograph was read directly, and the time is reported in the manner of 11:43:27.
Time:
3:14:08
